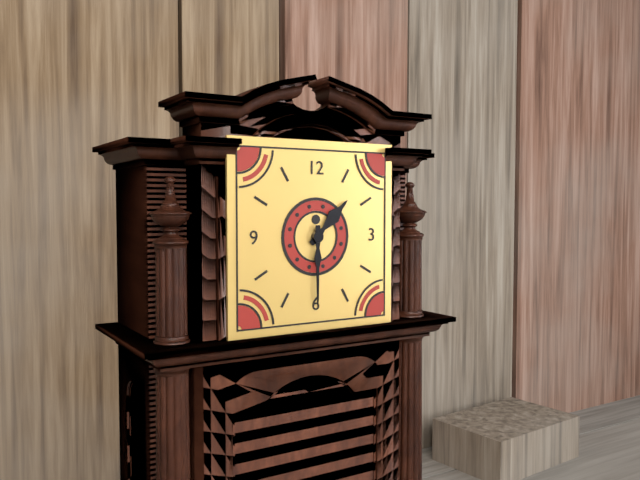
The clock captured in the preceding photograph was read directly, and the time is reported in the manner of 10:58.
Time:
1:30
